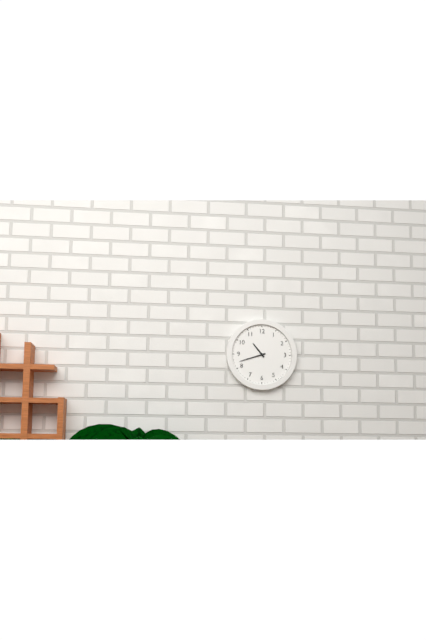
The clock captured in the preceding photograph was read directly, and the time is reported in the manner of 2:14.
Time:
10:42
